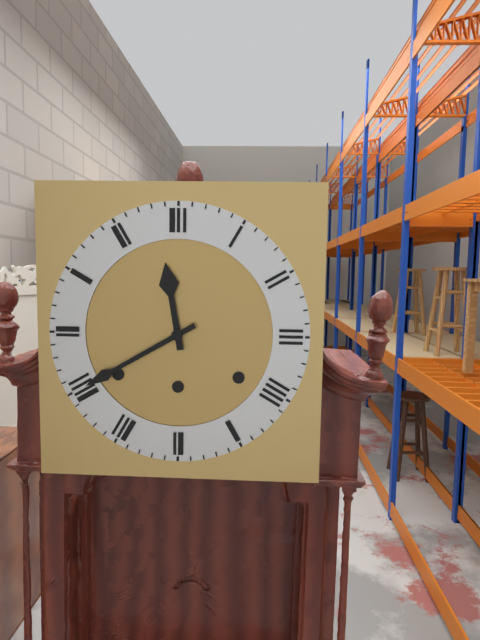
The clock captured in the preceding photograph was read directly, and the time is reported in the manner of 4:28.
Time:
11:40
